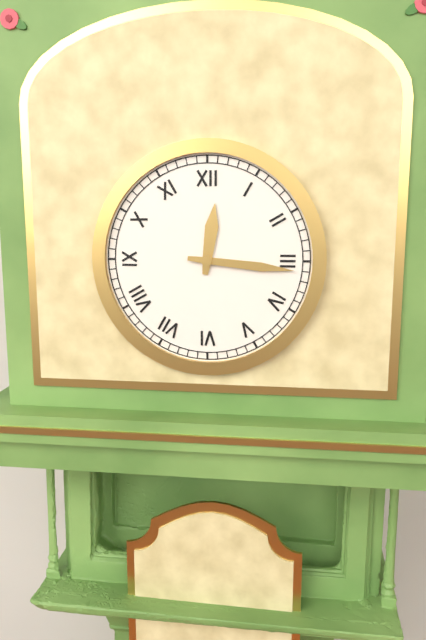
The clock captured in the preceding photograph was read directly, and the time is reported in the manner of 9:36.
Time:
12:16
